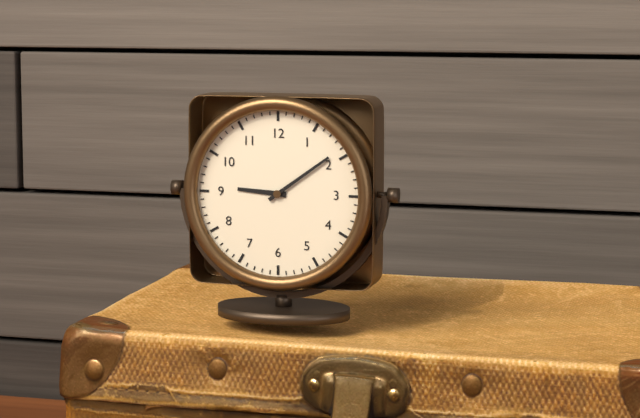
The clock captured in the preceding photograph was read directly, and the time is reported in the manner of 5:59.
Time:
9:09
